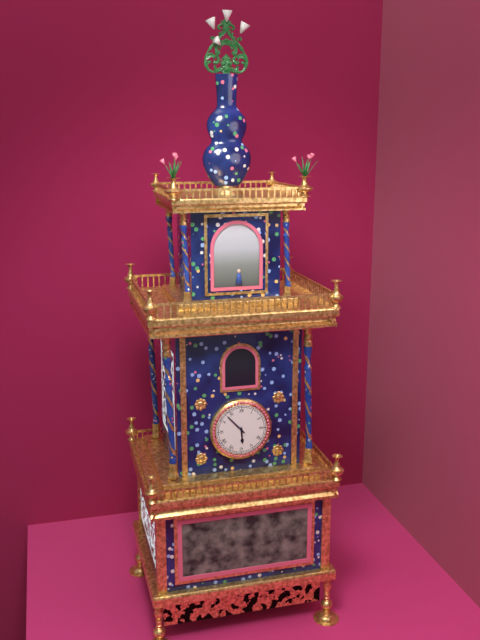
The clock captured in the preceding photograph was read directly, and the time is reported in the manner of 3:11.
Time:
5:53
